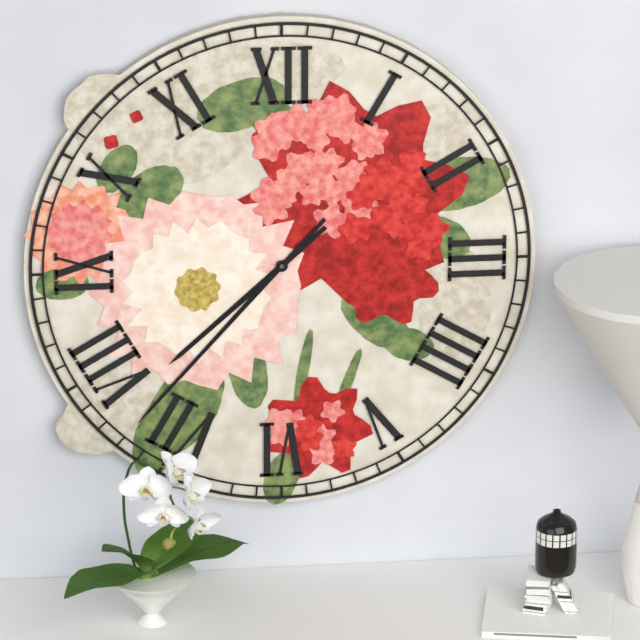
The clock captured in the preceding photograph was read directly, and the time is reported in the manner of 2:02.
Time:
7:37
